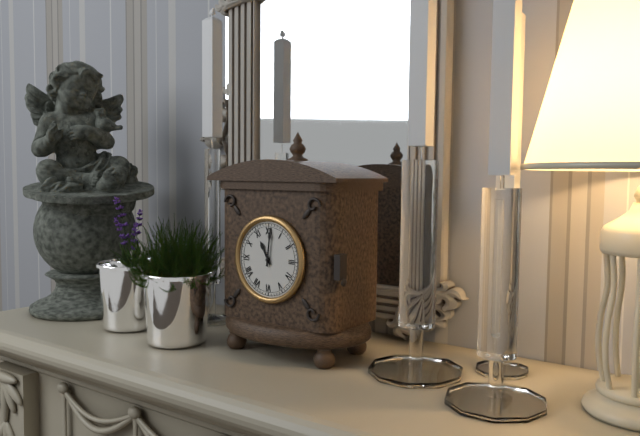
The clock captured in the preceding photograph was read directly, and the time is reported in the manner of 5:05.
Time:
11:01
